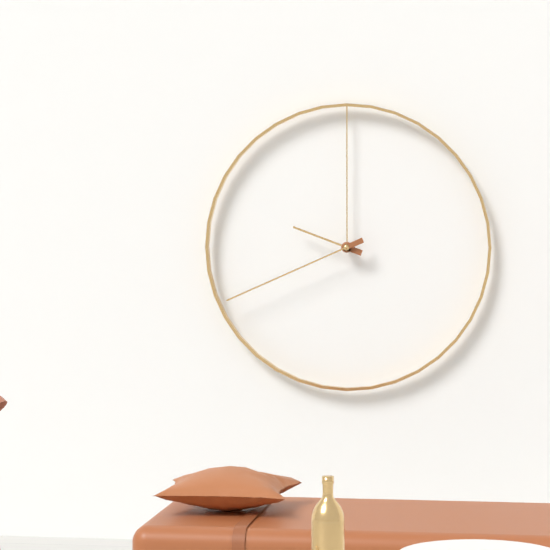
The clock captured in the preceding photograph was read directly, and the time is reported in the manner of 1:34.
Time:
9:41
